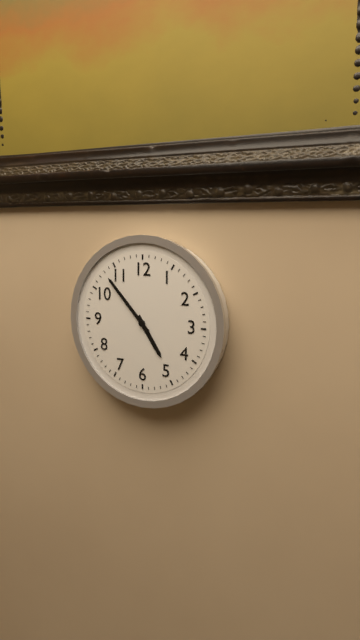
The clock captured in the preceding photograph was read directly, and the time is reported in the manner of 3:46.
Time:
4:53
